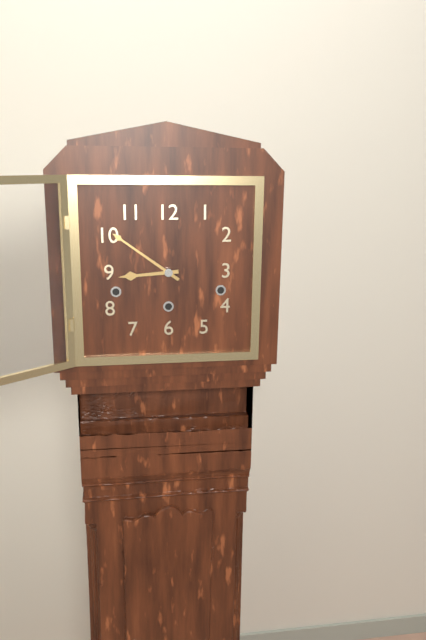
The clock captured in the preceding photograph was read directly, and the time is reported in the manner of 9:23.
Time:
8:51
